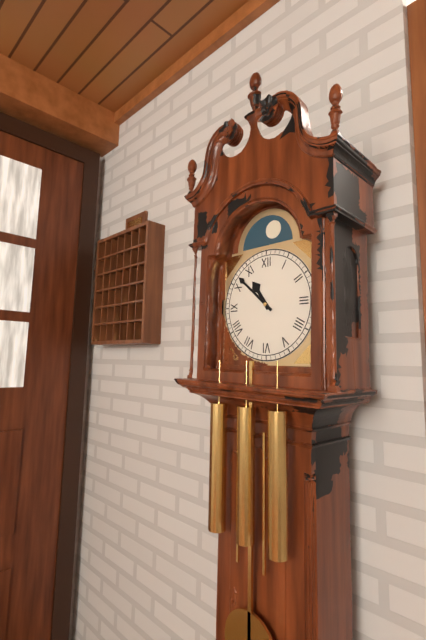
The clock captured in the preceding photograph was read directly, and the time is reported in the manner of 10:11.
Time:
10:52
